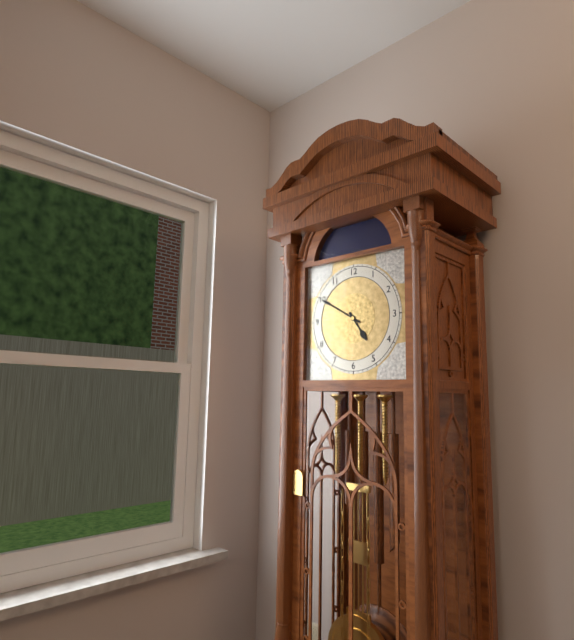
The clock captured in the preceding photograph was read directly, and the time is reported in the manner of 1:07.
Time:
4:50
